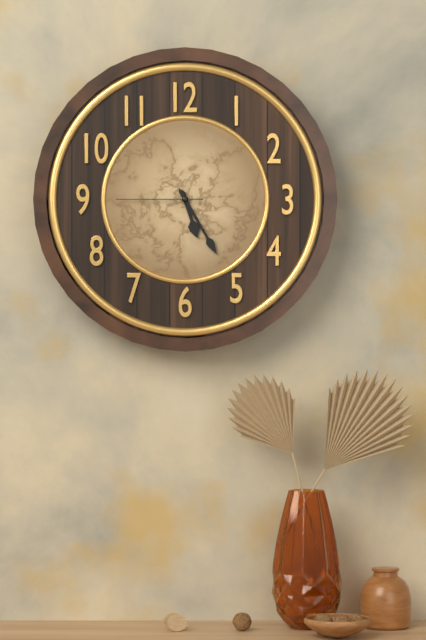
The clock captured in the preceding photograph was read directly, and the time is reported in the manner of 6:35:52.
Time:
5:25:45
